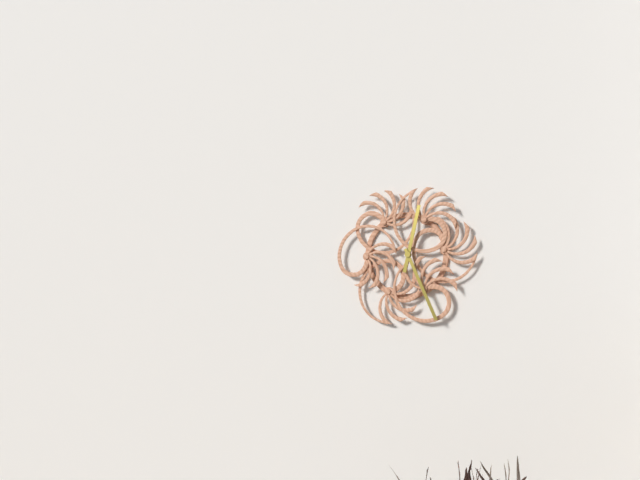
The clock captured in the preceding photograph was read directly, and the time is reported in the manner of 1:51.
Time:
12:26
